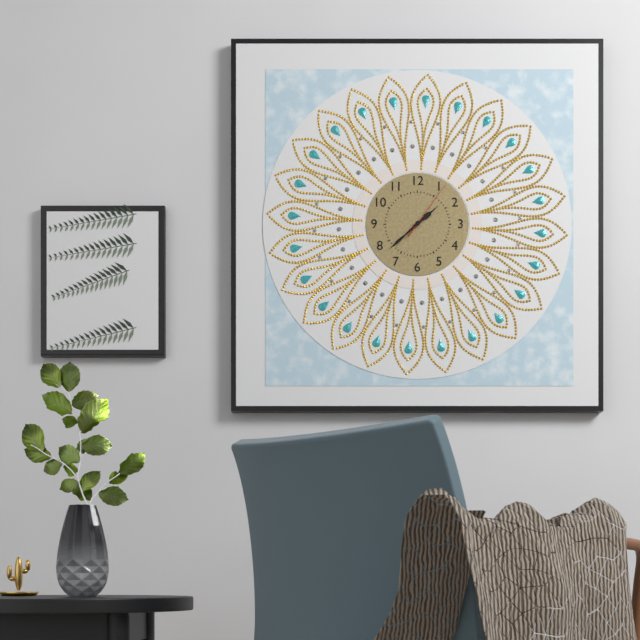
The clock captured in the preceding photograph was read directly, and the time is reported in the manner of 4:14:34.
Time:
1:38:06
